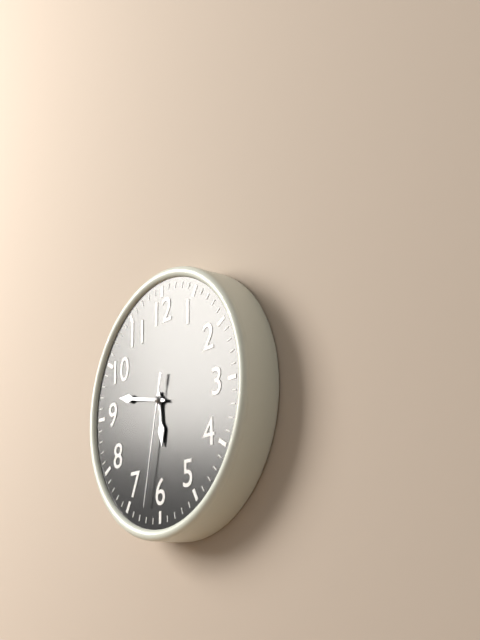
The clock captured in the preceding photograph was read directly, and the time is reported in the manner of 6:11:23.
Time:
5:47:32
